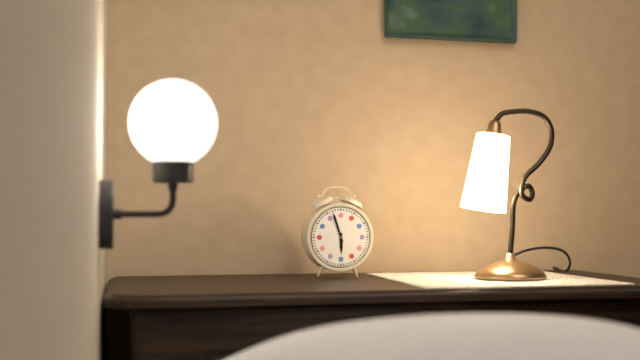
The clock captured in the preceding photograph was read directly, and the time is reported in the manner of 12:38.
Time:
5:57
